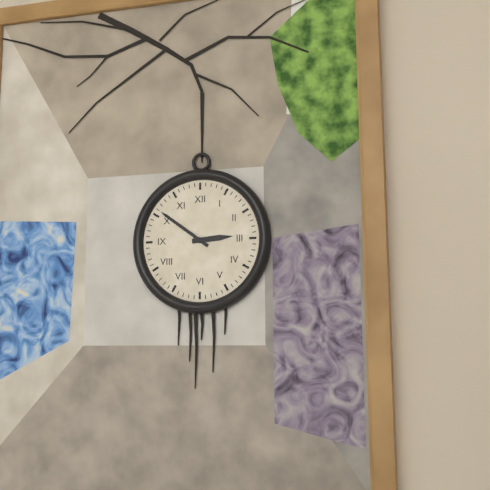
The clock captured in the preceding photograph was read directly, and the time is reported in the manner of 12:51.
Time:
2:51
